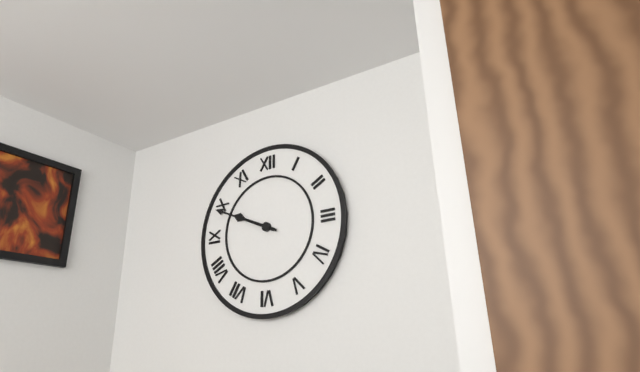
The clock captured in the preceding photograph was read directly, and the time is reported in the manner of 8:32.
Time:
9:49
